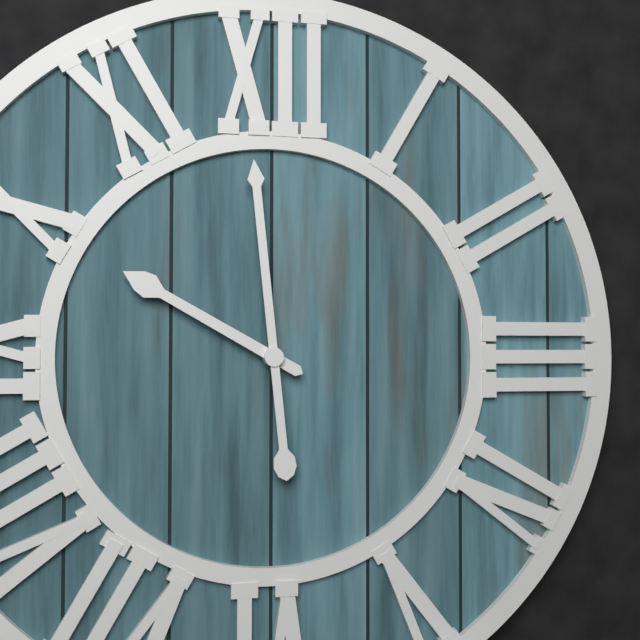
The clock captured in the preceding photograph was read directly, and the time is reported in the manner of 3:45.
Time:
9:59
